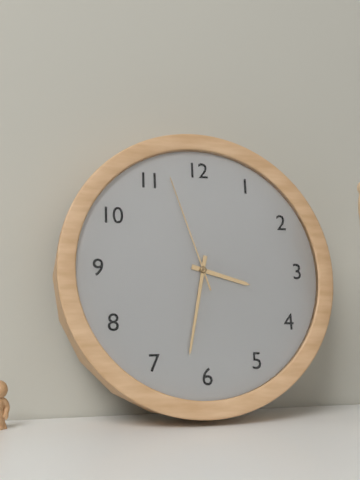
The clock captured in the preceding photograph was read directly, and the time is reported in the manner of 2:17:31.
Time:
3:32:57
